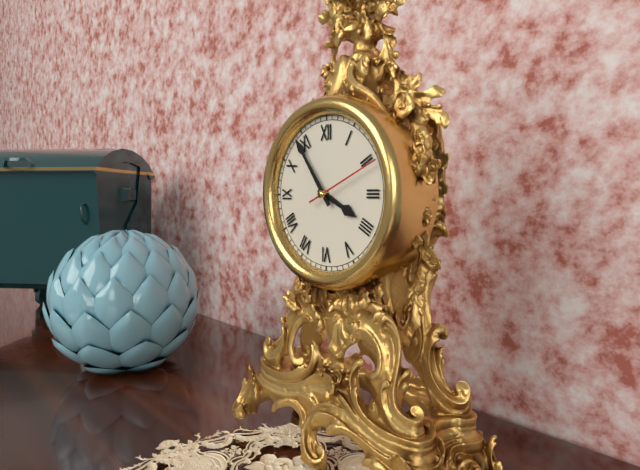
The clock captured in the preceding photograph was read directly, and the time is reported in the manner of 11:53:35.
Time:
3:54:11
